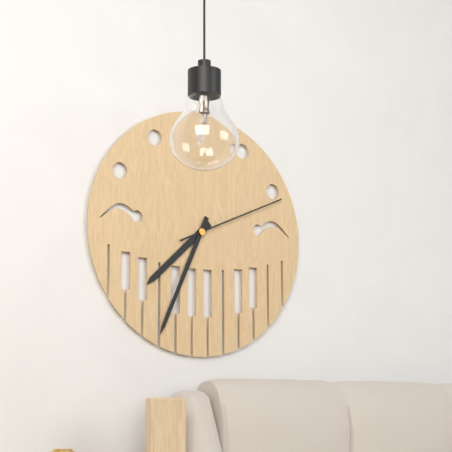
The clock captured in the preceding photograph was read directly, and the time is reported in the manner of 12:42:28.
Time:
7:34:11
